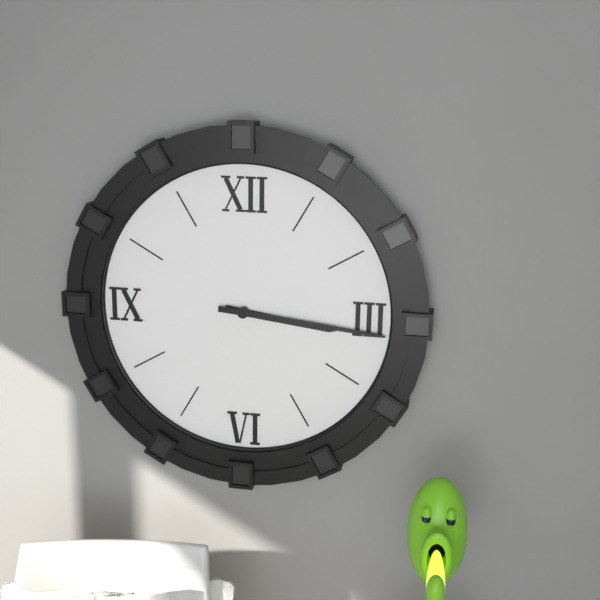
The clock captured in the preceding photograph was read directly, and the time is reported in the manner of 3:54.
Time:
3:16
